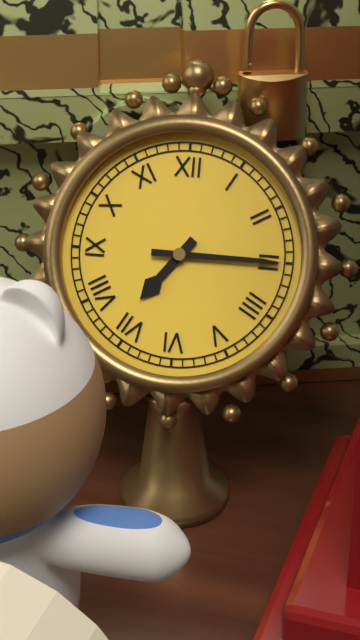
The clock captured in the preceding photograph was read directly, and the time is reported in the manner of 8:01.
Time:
7:15
